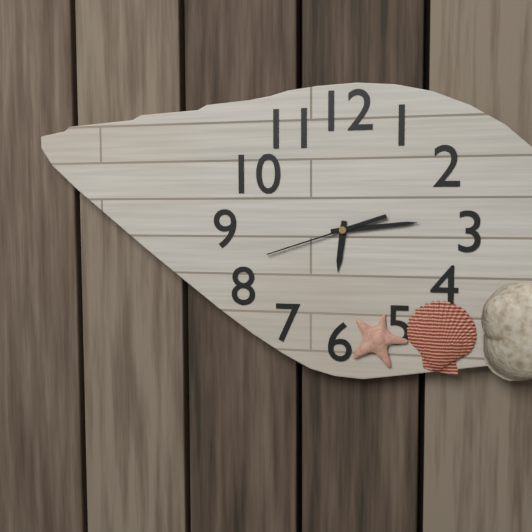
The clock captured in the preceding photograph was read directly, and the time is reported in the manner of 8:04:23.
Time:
6:14:42
